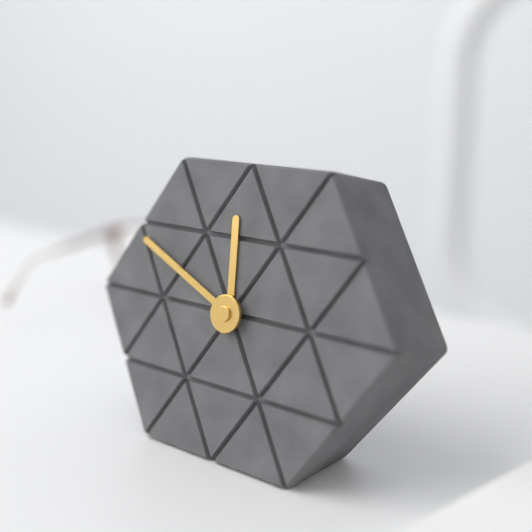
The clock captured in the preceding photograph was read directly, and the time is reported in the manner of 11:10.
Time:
11:49
